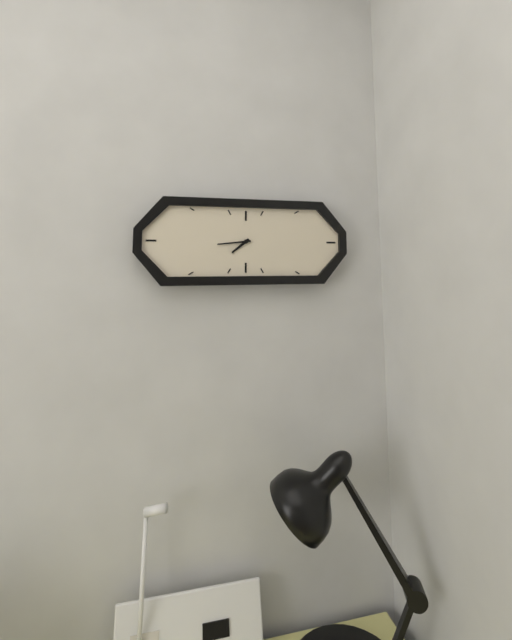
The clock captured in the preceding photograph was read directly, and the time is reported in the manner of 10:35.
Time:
7:44
